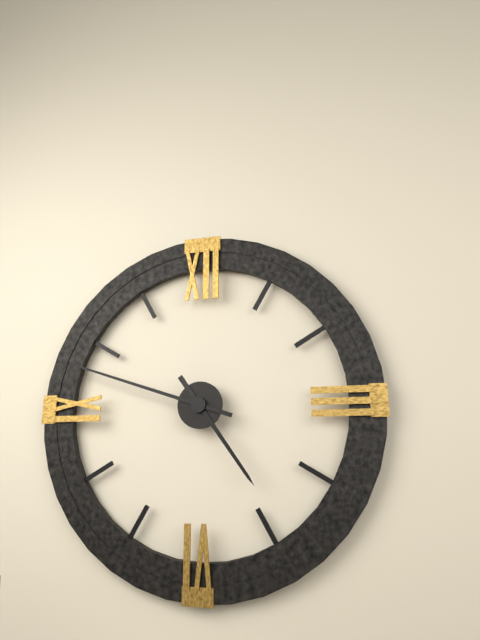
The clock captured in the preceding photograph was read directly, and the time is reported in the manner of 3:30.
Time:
4:48
